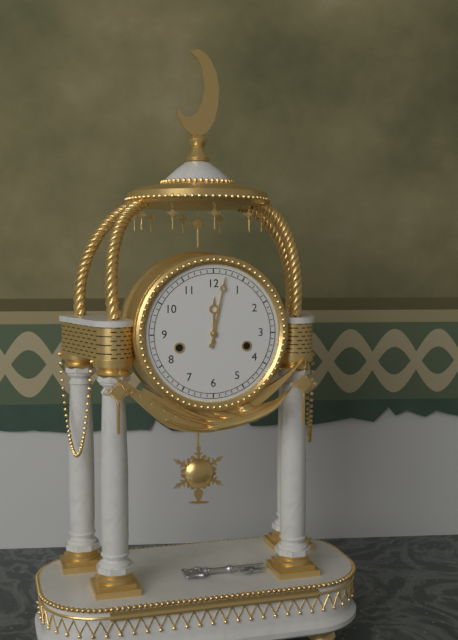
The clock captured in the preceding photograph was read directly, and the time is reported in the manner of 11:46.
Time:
12:02
